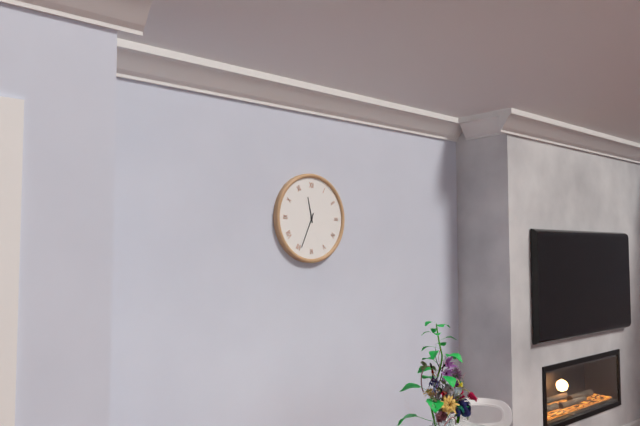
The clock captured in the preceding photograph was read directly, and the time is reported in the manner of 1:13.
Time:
11:34
